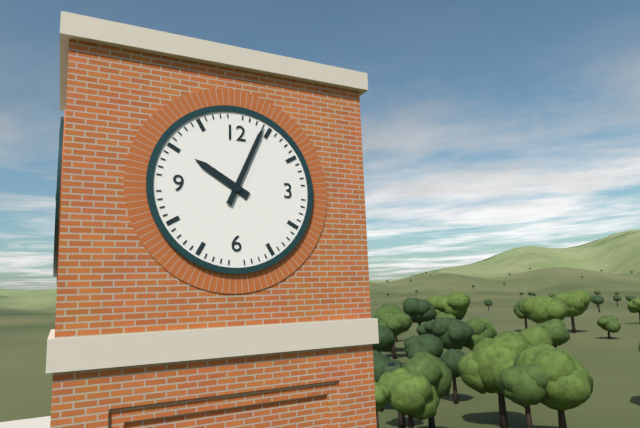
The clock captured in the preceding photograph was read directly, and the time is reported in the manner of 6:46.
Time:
10:04
